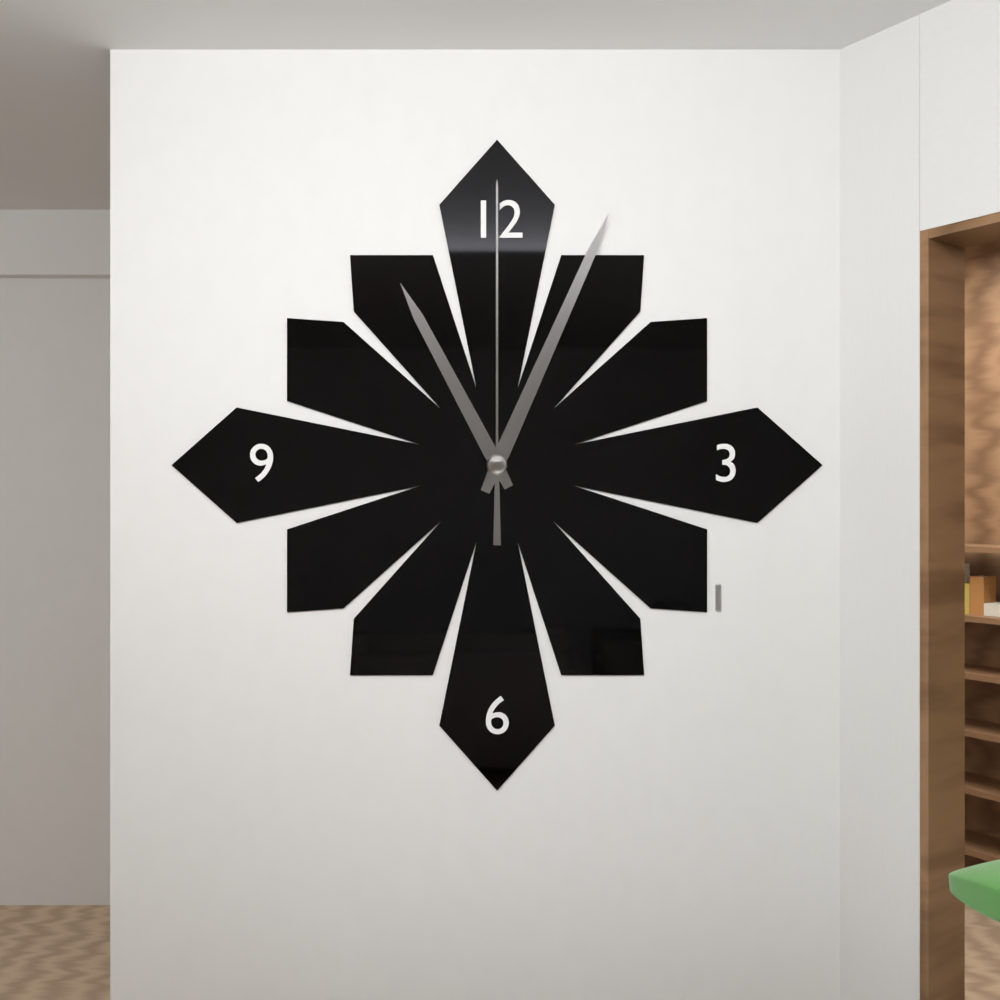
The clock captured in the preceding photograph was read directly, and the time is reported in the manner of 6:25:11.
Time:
11:04:00
